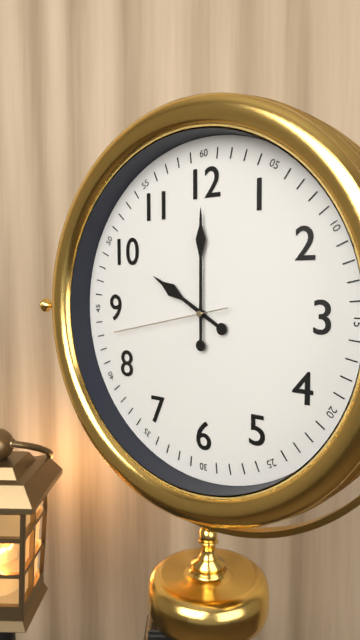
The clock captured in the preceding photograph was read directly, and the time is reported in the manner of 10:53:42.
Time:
10:00:43
